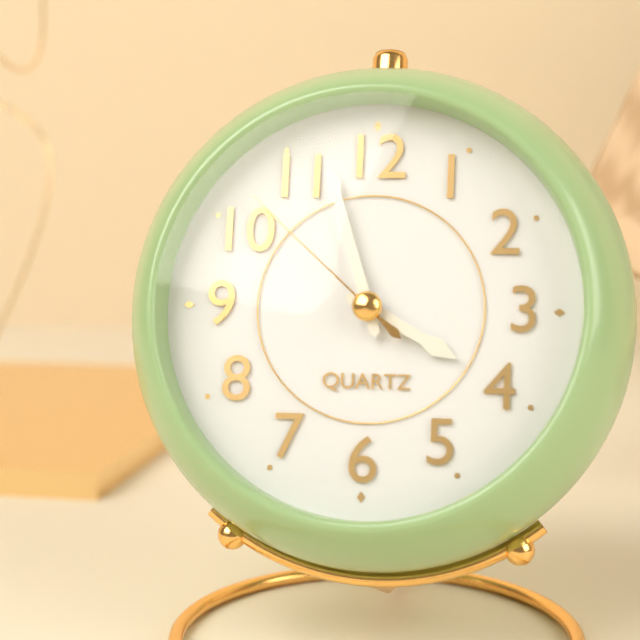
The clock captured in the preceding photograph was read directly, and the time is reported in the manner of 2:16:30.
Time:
3:57:52
